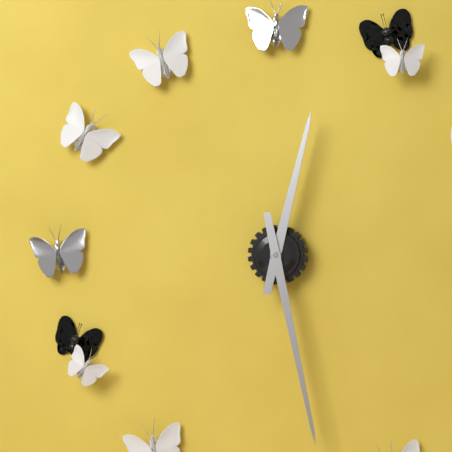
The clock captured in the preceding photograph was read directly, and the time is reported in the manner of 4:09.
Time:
12:28
